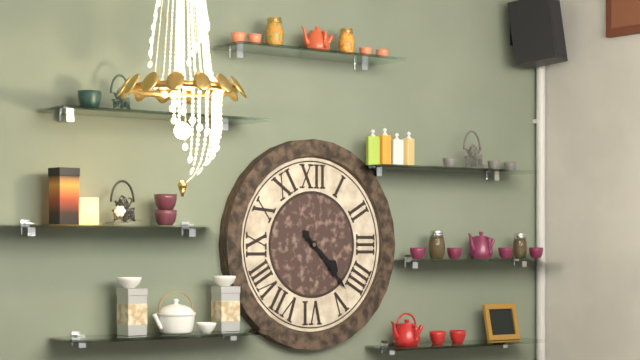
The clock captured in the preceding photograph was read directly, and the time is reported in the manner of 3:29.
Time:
4:23
